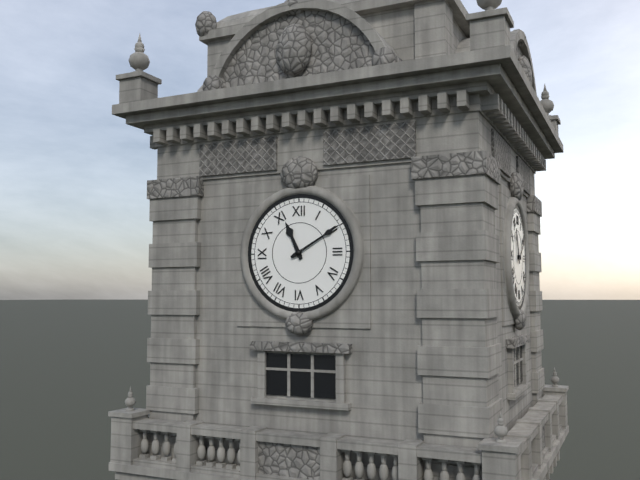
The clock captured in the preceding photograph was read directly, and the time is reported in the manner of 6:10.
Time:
11:10
